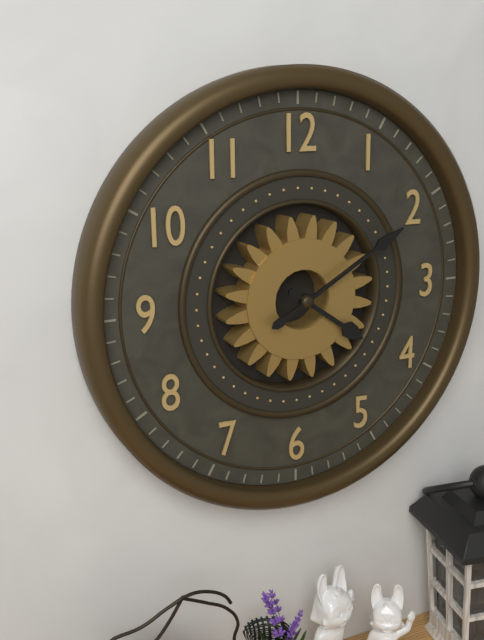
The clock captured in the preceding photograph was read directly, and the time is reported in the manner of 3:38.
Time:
4:10
